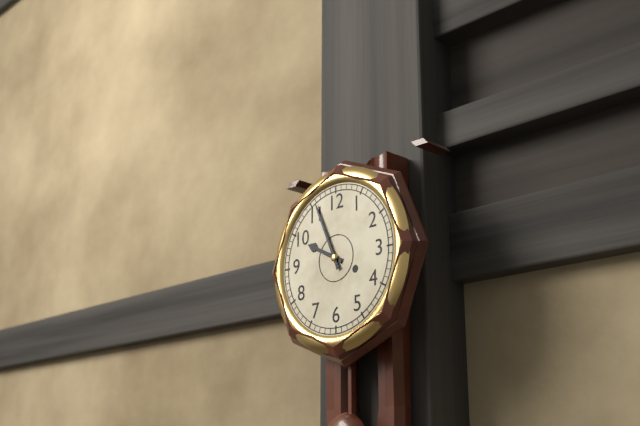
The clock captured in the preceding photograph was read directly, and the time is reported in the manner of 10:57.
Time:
9:56
